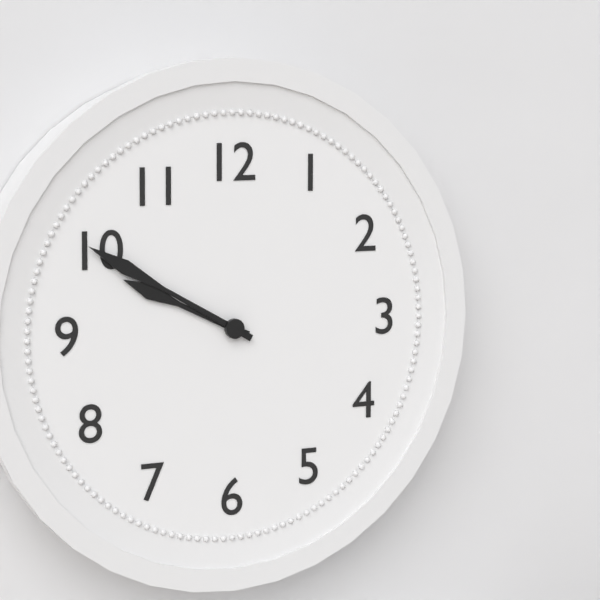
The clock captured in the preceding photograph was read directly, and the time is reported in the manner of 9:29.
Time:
9:50
